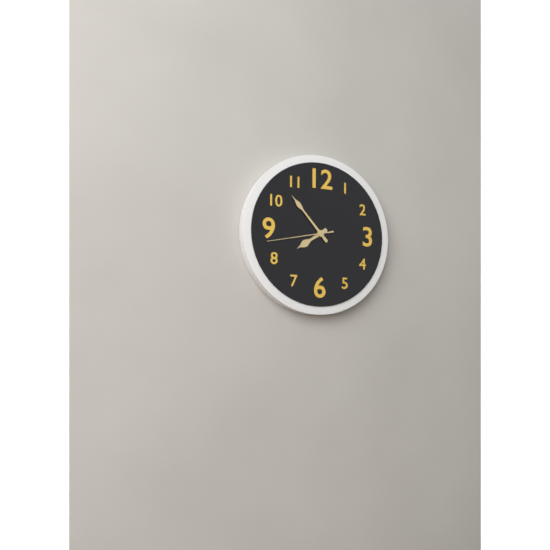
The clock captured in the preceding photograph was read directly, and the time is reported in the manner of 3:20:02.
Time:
7:53:43
